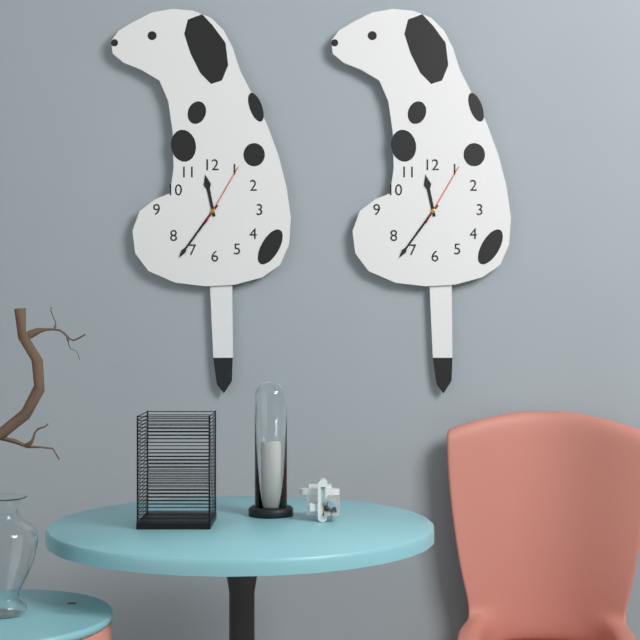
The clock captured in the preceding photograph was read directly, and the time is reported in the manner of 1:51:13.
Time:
11:36:05
